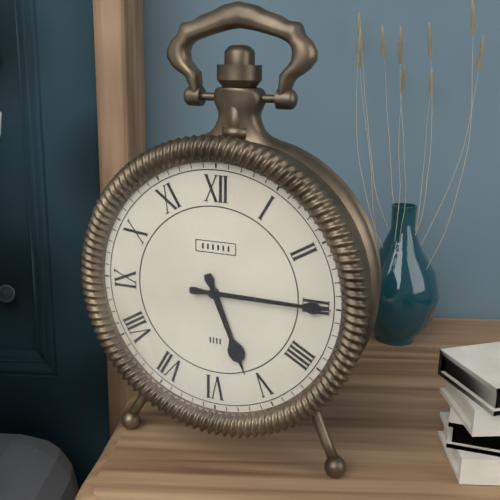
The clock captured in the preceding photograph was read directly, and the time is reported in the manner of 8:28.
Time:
5:15
